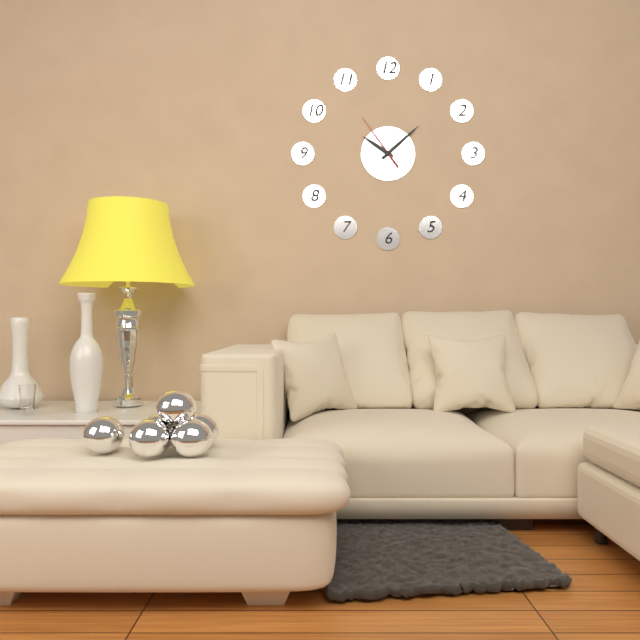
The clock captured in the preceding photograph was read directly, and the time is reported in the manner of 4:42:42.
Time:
10:08:54
